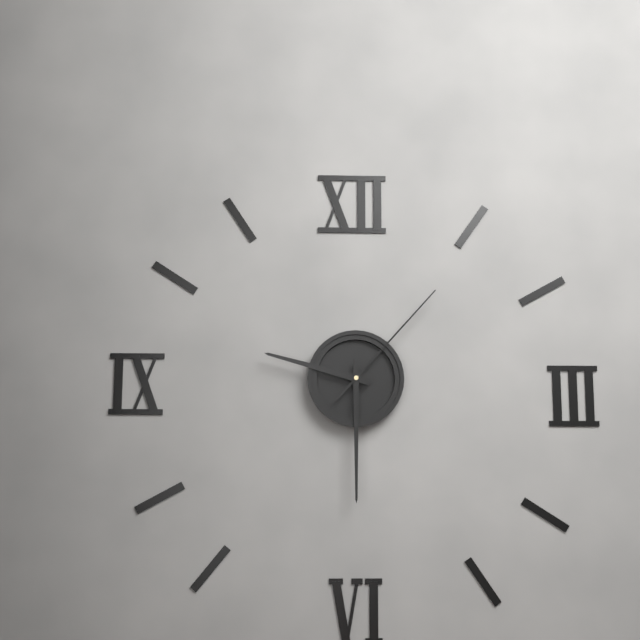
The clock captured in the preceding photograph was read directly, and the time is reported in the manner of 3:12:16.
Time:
9:30:07
